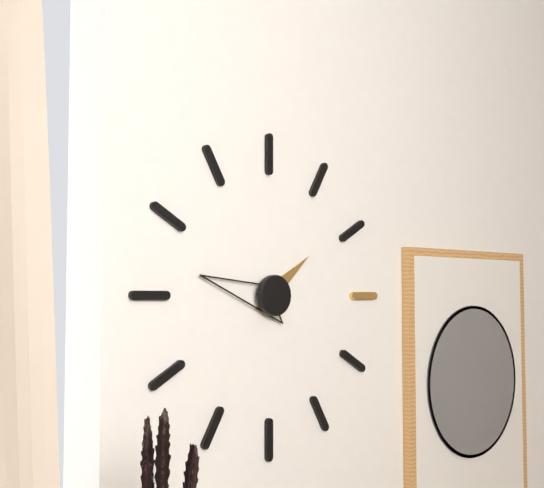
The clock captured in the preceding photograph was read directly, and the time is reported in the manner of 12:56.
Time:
1:47
